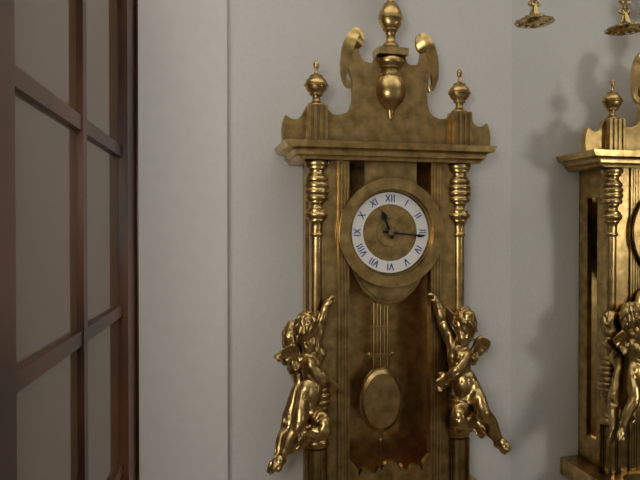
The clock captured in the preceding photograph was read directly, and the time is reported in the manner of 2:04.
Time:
11:16
